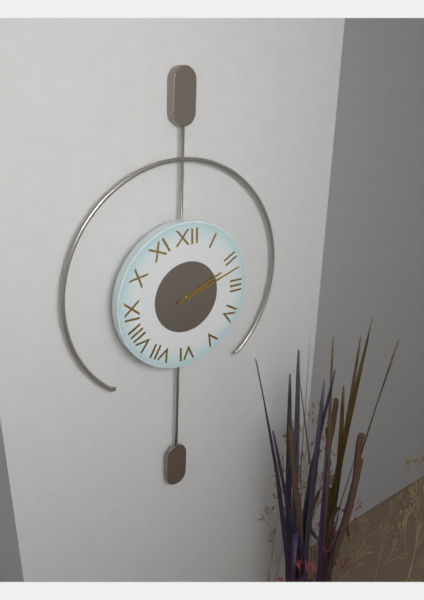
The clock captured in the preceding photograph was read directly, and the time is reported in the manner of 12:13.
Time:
2:12
